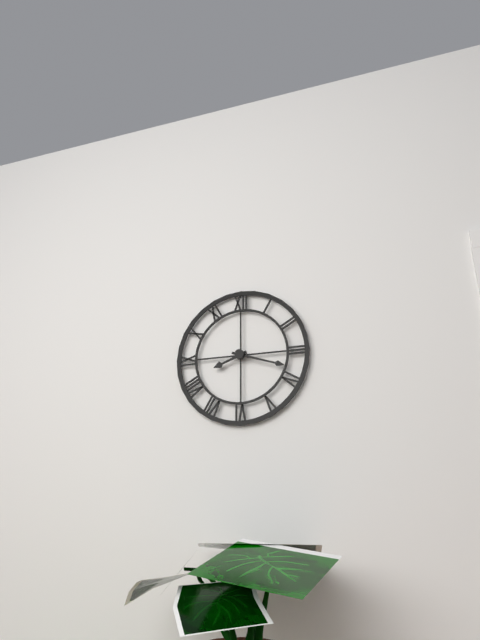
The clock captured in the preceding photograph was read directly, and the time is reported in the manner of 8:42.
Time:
8:18
